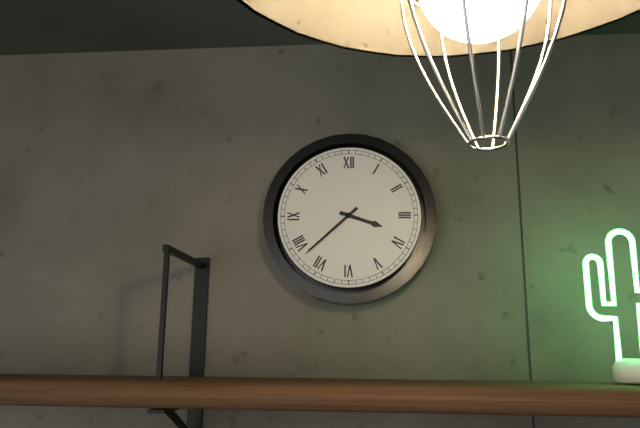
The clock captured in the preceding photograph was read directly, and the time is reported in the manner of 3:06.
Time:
3:38
